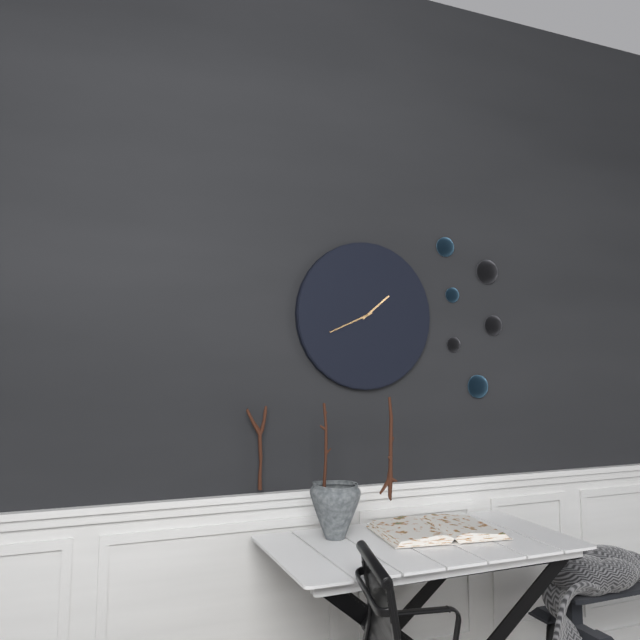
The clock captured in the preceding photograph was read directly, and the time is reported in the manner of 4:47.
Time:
1:41
